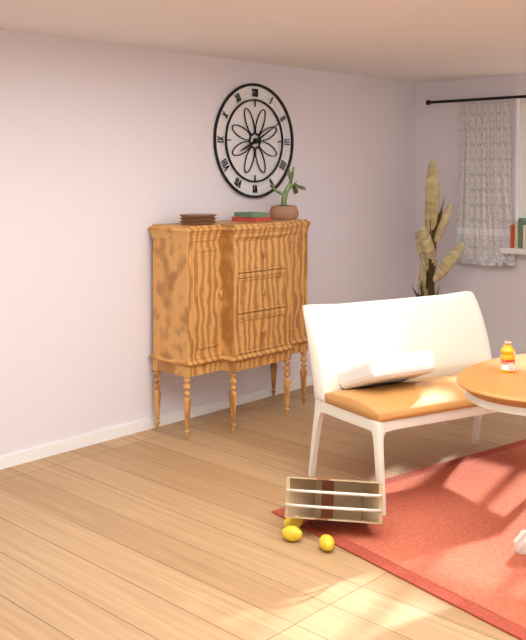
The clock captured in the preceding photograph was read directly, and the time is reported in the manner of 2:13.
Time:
8:10
